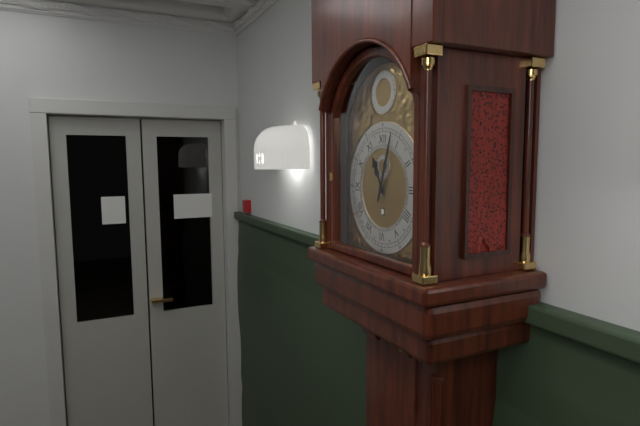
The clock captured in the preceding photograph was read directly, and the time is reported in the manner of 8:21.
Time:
11:03
